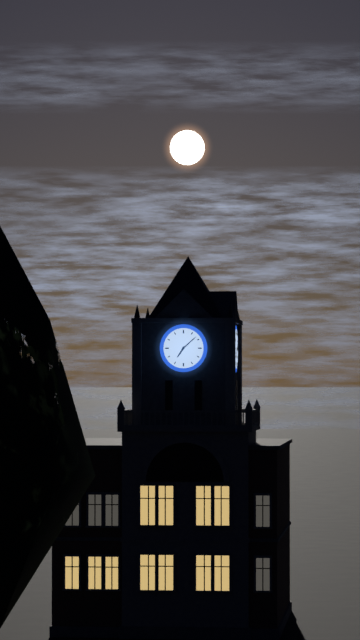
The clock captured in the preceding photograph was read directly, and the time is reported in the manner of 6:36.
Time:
7:08
